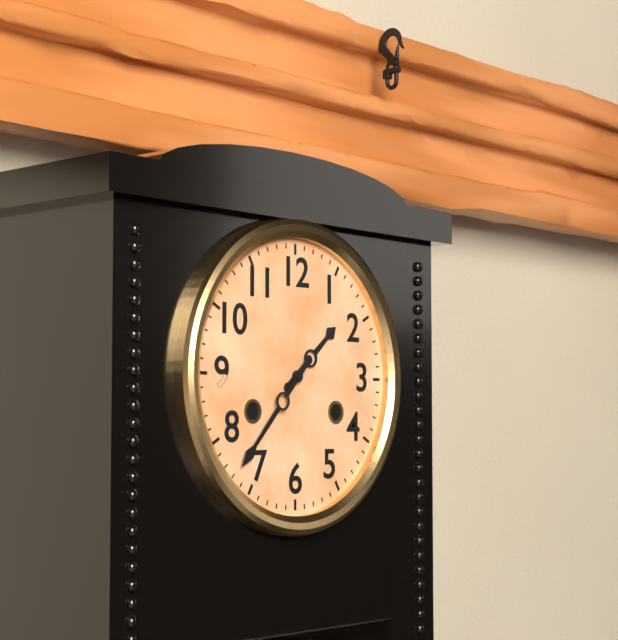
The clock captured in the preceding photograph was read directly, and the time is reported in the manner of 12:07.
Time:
1:37
